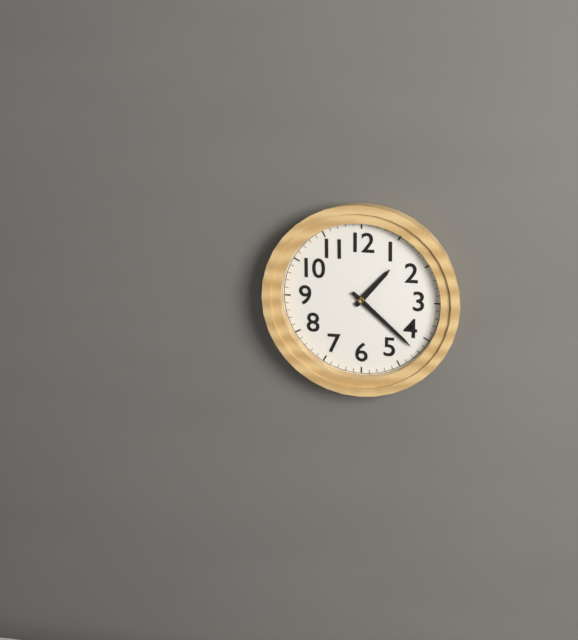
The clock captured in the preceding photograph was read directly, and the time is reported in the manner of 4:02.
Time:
1:22
